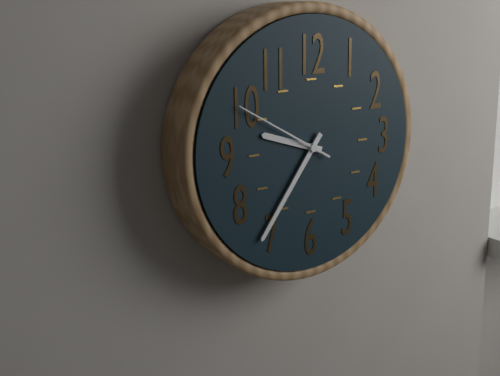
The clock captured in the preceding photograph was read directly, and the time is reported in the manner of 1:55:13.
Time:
9:36:50
